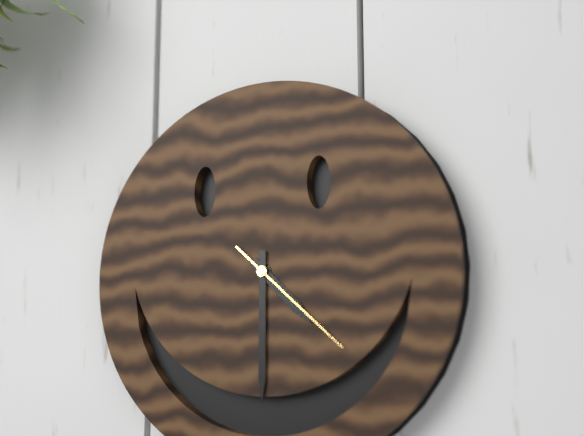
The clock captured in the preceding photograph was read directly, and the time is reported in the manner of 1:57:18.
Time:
4:30:22
